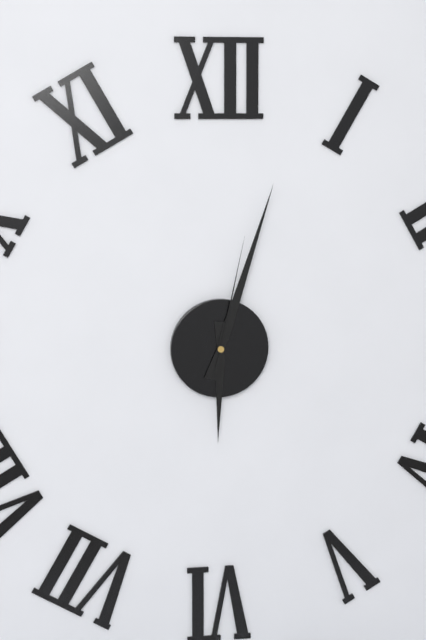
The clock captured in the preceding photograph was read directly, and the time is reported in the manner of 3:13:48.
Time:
6:03:02
